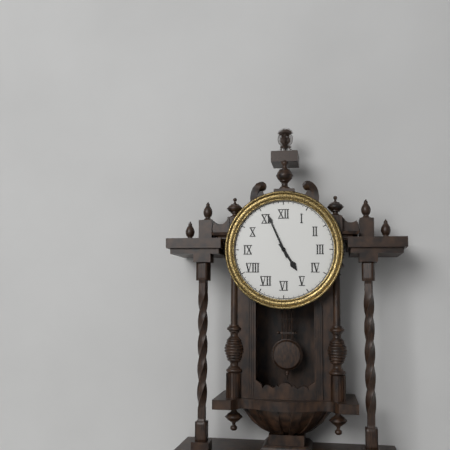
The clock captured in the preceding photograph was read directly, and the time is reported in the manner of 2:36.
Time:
4:56
